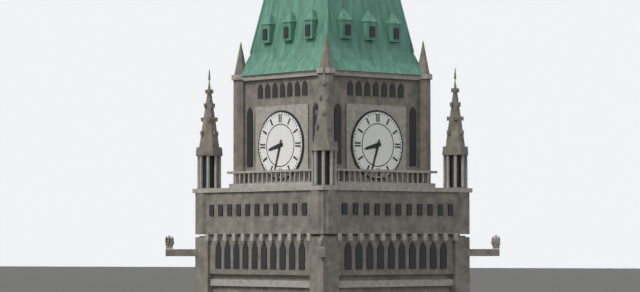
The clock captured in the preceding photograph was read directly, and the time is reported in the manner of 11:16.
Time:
8:33
